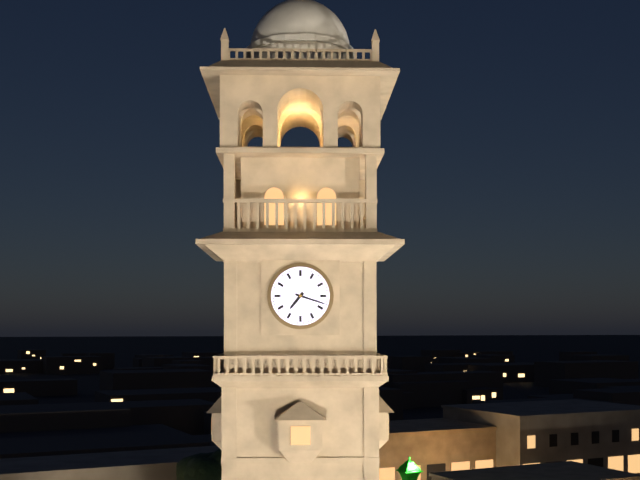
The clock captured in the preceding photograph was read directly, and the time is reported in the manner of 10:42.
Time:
7:18
